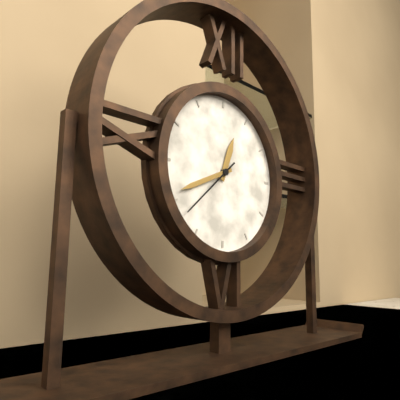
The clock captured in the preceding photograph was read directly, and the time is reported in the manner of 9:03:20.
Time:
12:41:38
